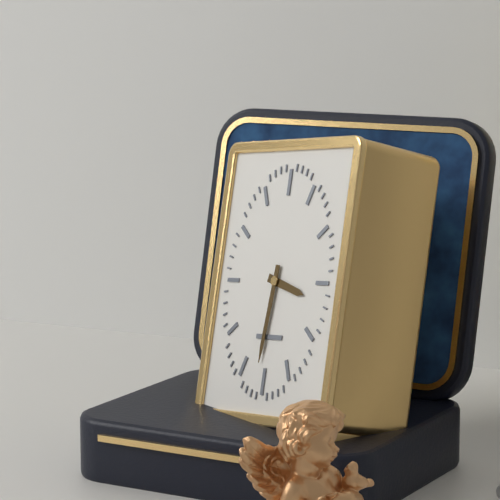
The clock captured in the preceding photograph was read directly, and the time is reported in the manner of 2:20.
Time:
3:31
